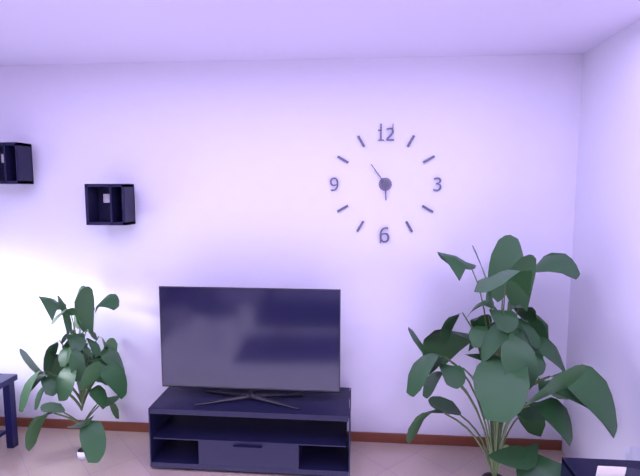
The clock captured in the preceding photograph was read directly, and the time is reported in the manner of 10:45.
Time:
5:54
